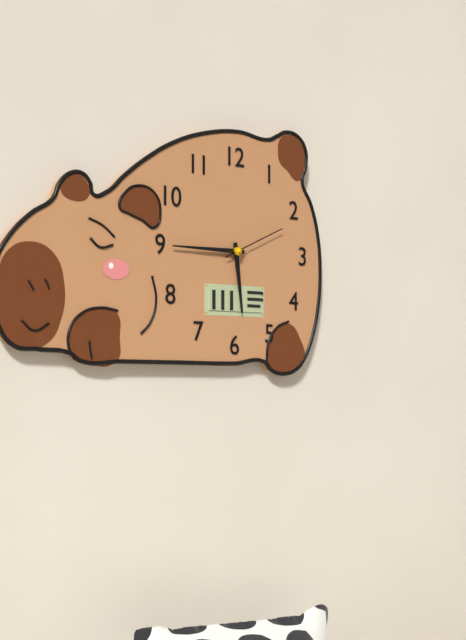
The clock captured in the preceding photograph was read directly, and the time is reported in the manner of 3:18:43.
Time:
5:45:11
